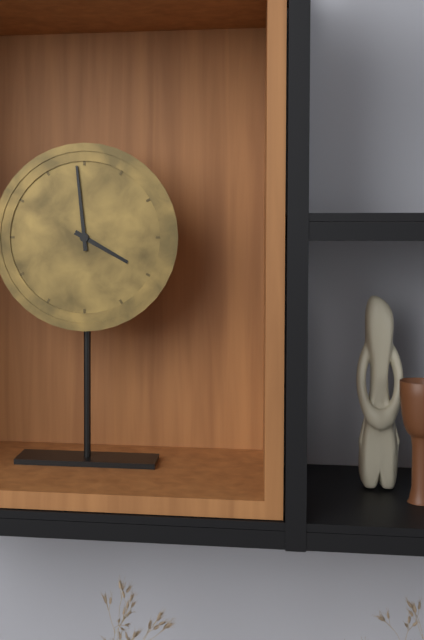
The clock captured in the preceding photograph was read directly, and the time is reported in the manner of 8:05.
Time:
3:59
